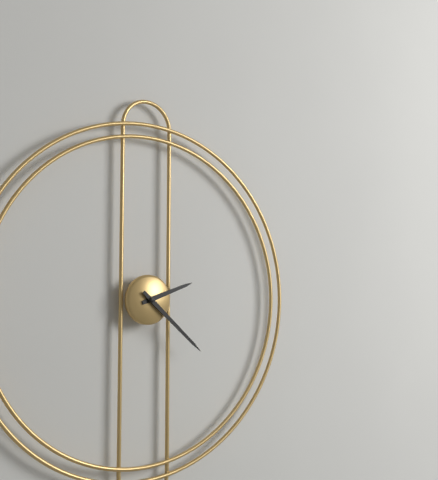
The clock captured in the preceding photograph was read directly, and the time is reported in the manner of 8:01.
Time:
2:22
